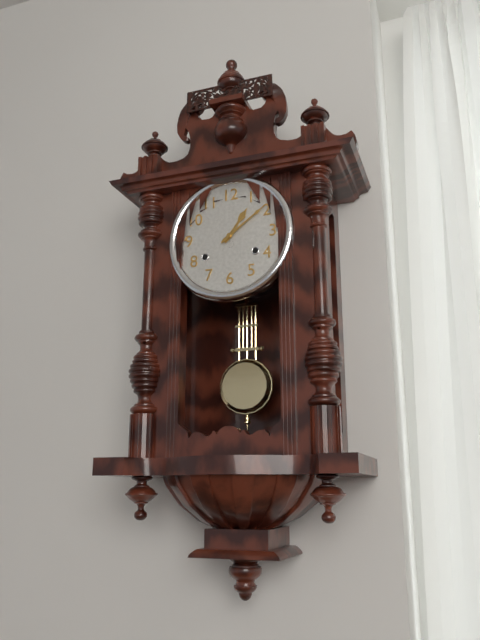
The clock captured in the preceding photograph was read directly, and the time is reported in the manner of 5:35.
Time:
1:09
